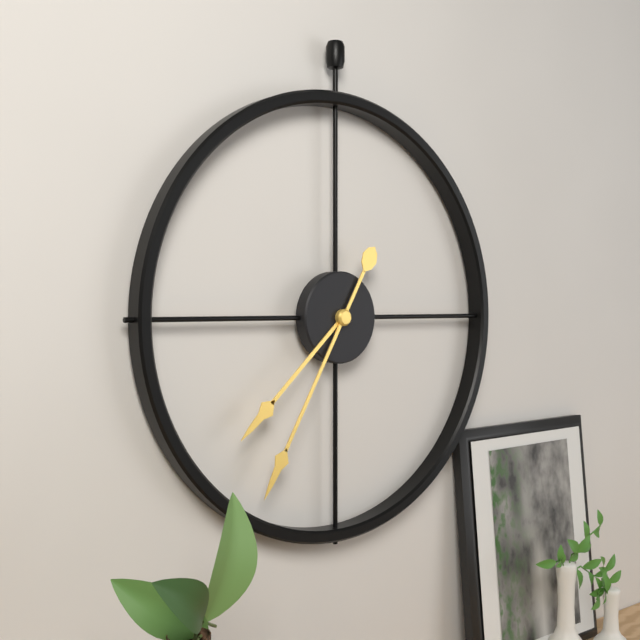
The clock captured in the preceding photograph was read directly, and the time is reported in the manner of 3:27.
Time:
7:35
